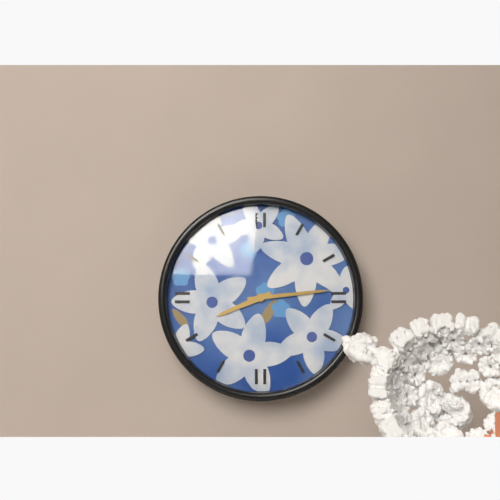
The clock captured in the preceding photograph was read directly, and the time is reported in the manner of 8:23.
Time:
8:14
